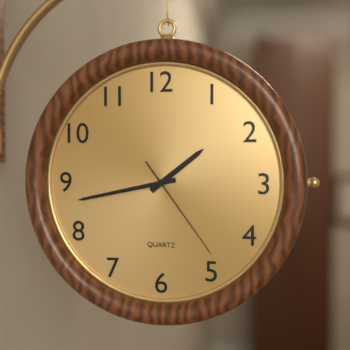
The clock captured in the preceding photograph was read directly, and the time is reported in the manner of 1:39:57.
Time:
1:43:24
